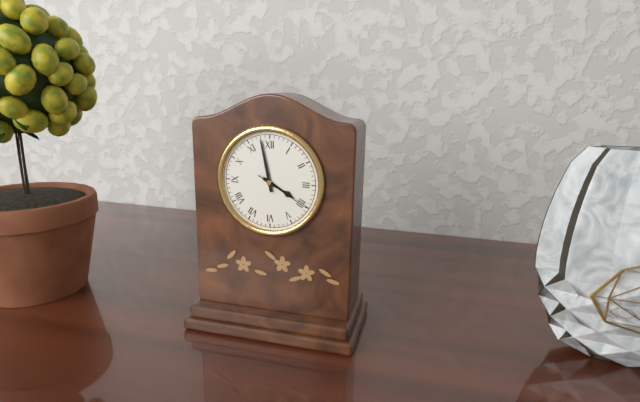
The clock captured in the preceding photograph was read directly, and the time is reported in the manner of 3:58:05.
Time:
3:58:20
